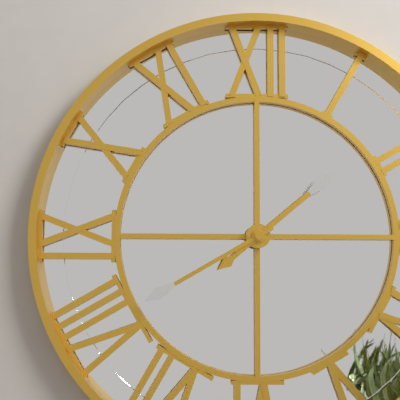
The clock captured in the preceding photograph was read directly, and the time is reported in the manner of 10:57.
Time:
1:40
